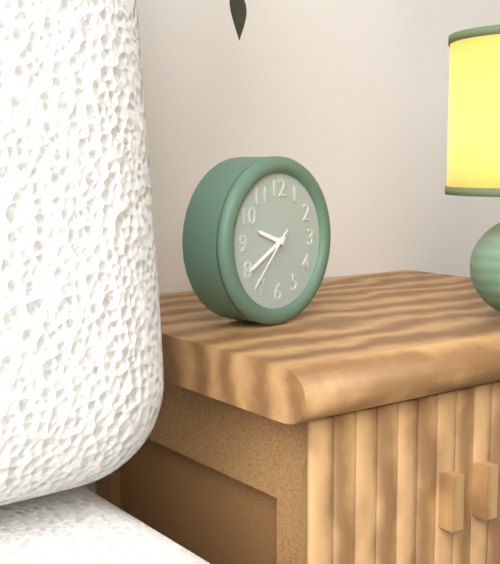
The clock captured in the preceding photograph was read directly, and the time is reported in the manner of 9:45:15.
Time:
9:40:37
